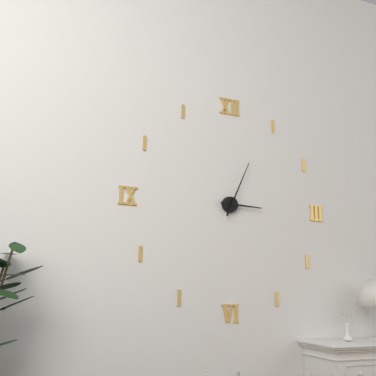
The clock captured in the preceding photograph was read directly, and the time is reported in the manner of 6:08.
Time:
3:04
